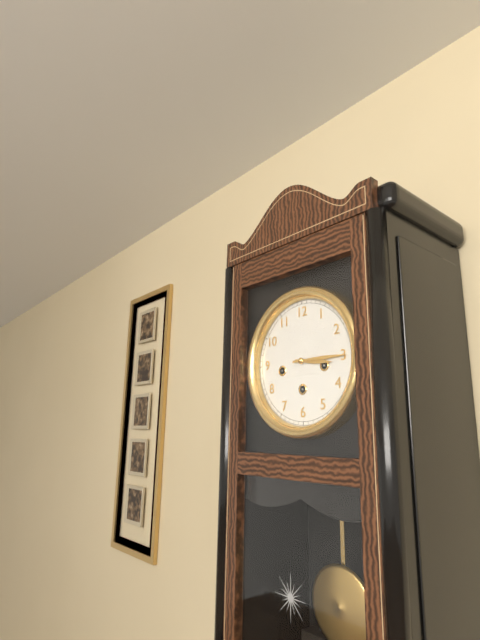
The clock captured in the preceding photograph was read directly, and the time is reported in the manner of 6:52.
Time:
3:15
